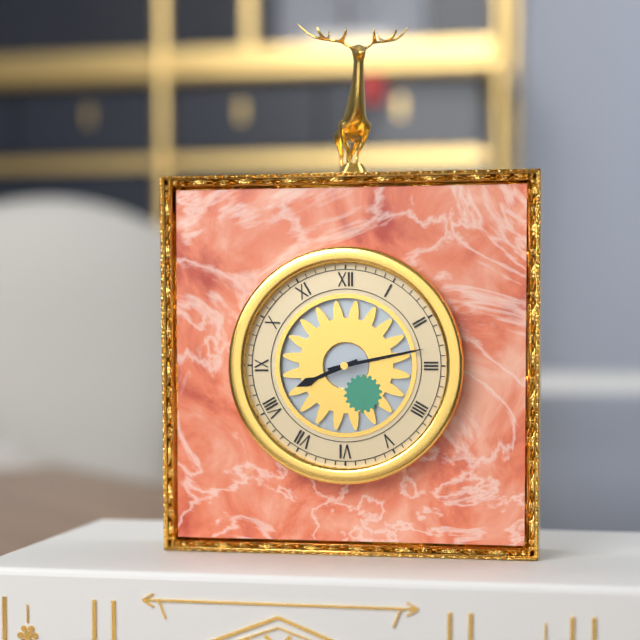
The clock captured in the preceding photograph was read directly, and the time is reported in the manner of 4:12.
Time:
8:13
